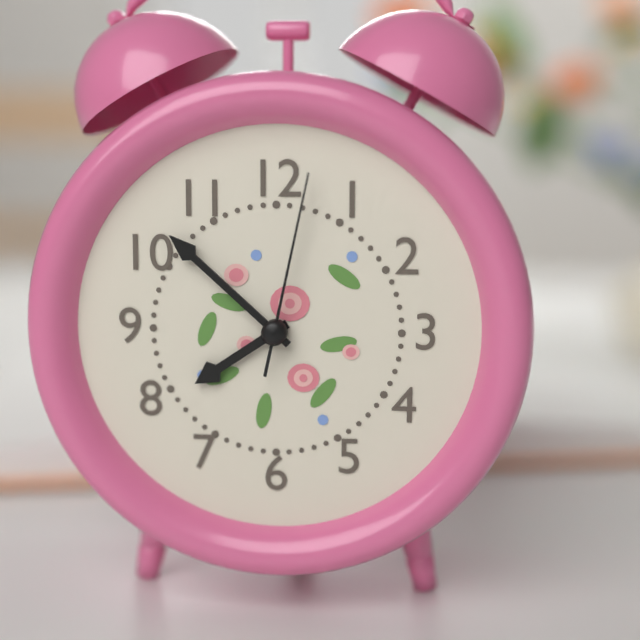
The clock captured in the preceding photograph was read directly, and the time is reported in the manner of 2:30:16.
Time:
7:52:02
